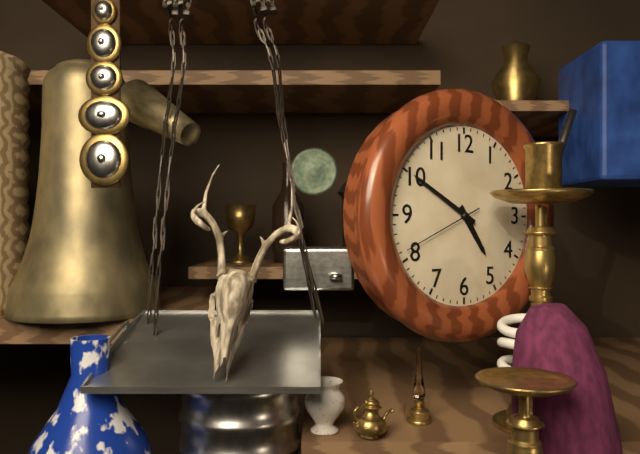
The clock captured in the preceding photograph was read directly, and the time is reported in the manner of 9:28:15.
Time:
4:50:41
